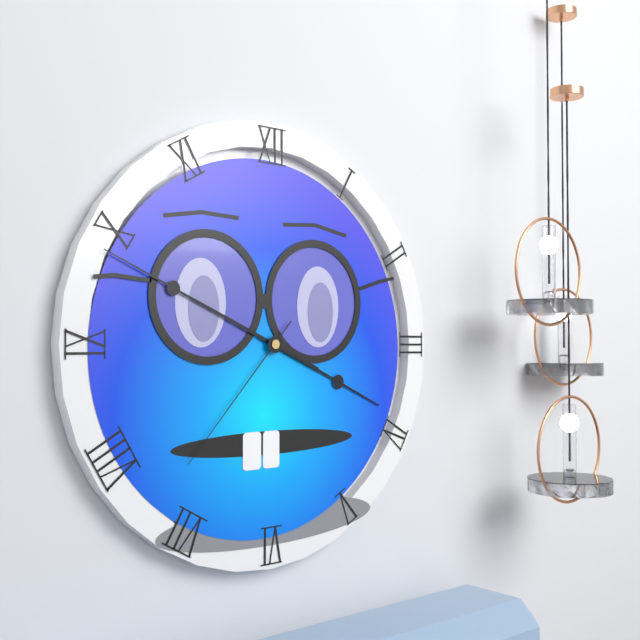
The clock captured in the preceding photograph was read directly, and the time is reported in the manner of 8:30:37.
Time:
3:49:37
